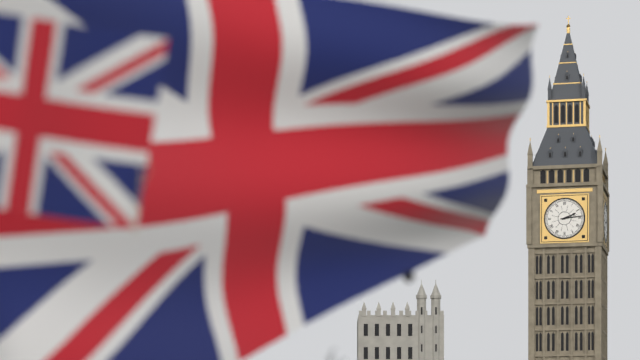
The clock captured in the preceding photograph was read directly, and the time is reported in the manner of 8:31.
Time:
2:14
